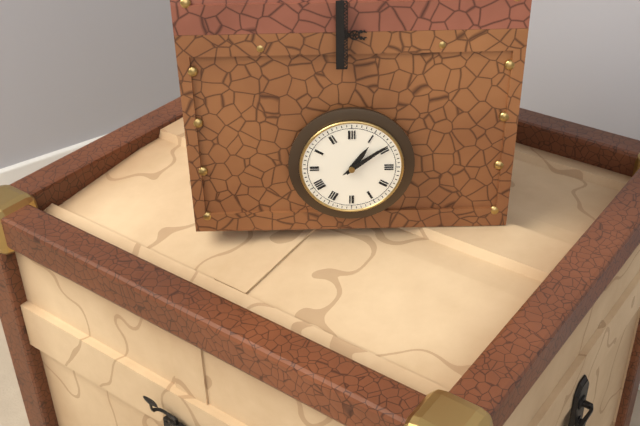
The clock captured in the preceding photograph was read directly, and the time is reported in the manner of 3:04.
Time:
1:09
